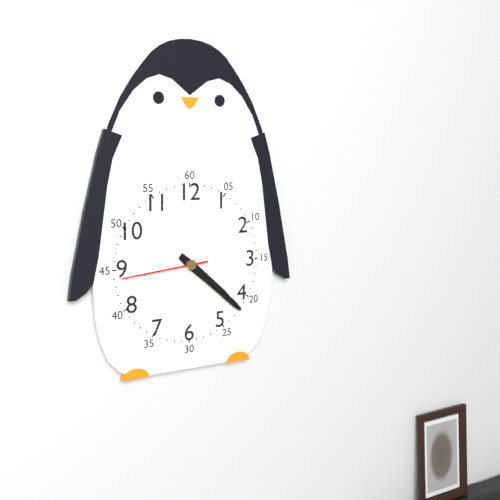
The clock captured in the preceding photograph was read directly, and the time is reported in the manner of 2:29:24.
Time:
4:22:44
